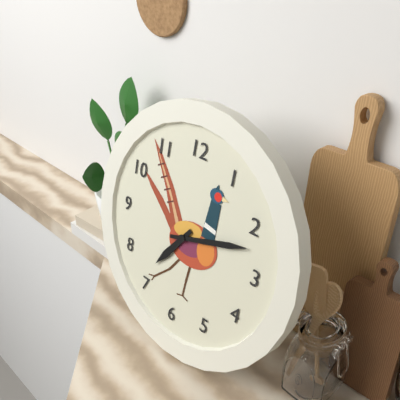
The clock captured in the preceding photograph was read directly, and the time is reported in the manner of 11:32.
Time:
7:12
